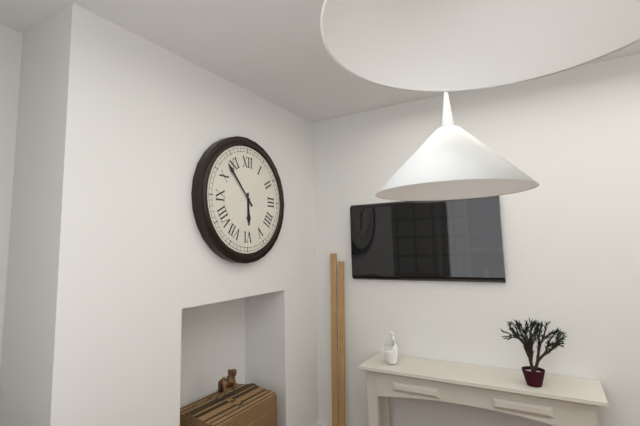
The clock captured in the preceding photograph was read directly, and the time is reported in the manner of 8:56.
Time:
5:53
